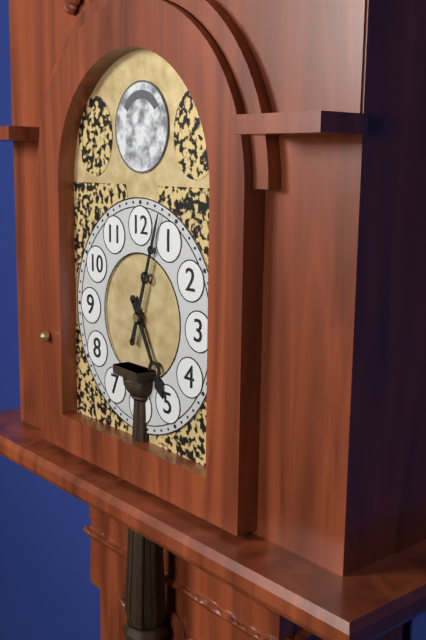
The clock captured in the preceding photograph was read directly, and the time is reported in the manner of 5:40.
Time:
5:03
